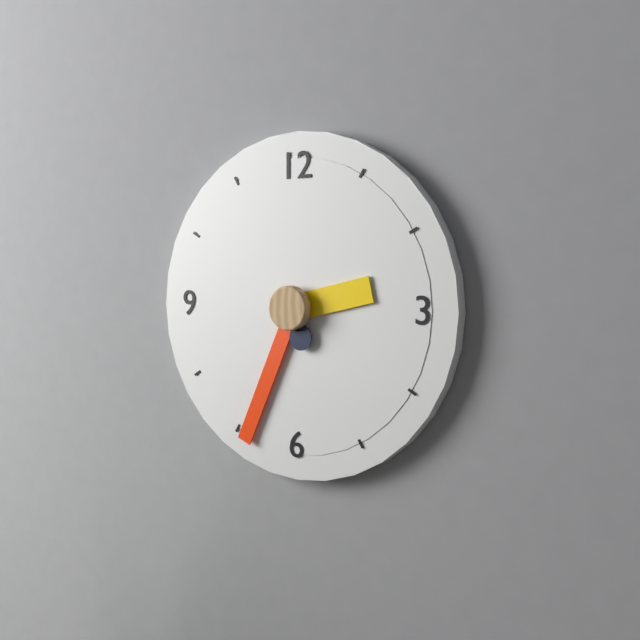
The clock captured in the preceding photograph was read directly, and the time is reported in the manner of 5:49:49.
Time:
2:34:27
